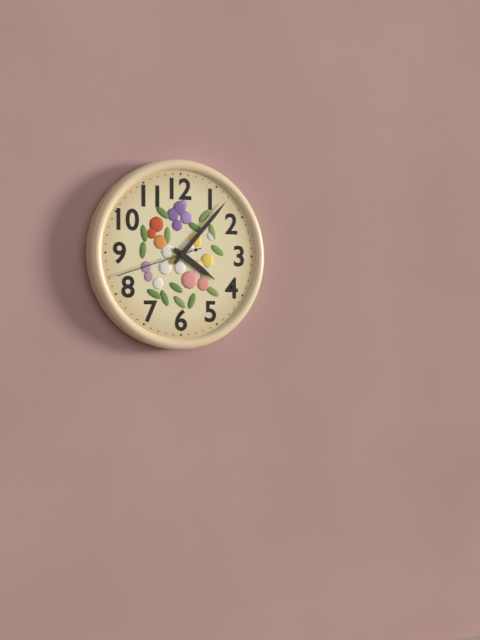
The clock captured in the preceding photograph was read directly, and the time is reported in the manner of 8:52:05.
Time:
4:07:42
